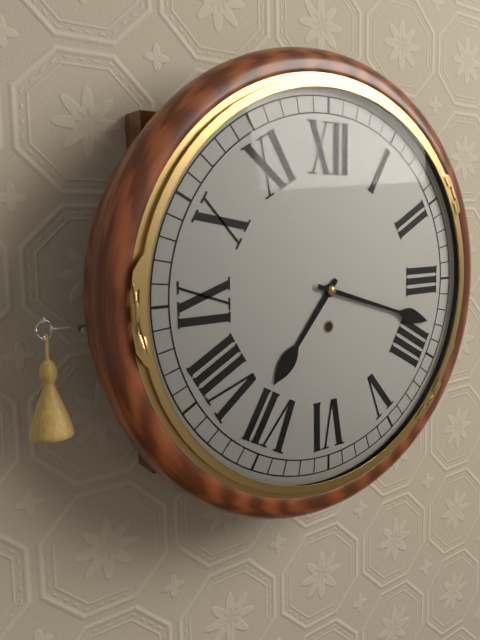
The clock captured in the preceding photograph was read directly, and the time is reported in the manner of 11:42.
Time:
7:18
